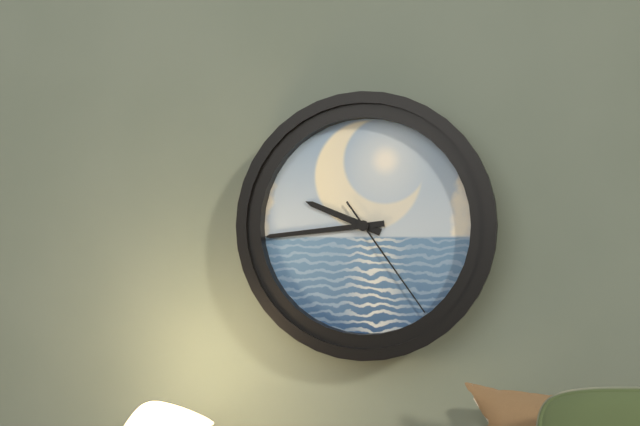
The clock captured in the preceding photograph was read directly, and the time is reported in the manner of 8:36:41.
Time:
9:44:24
